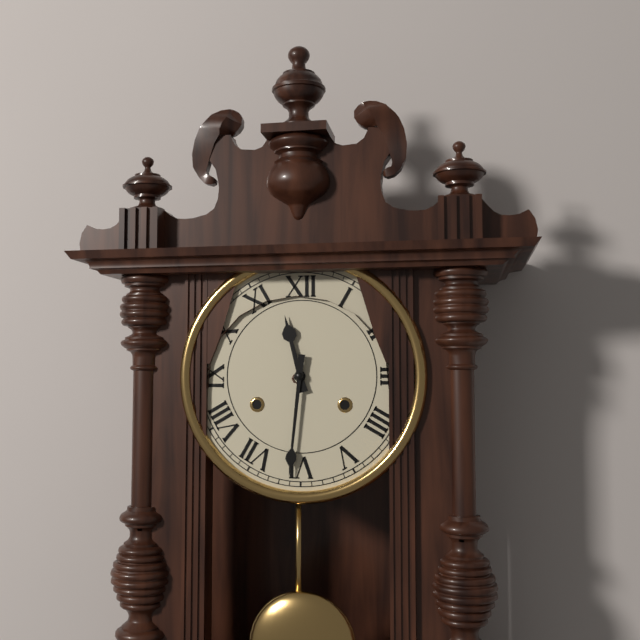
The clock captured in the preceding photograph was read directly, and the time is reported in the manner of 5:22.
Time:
11:31
